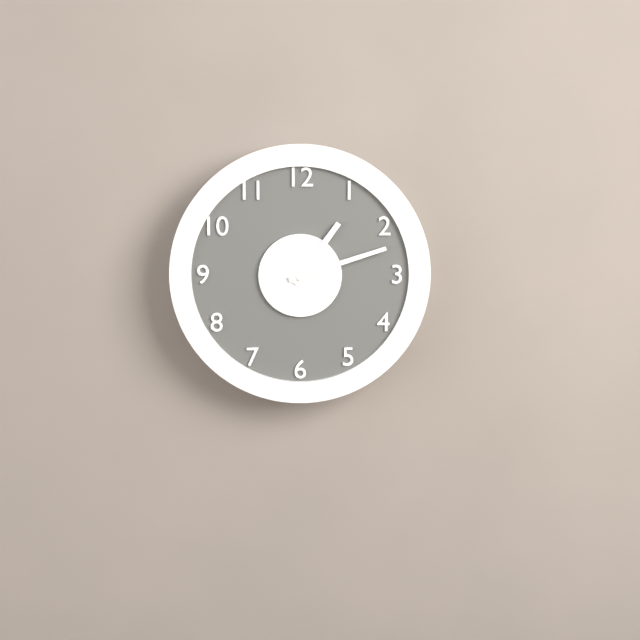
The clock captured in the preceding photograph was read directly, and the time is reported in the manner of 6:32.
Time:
1:12
